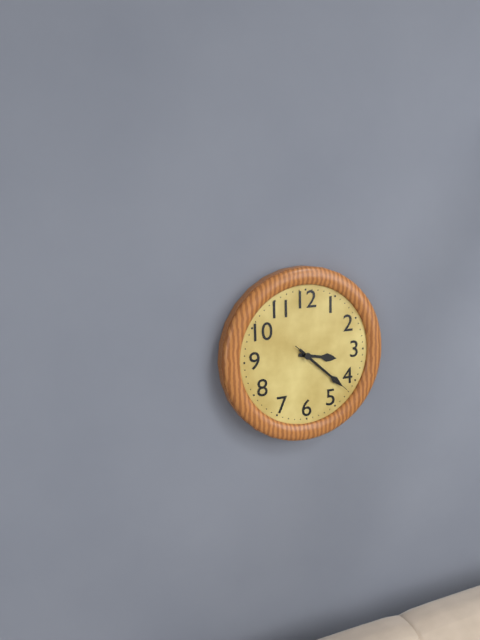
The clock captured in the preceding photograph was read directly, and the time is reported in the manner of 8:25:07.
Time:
3:22:22
